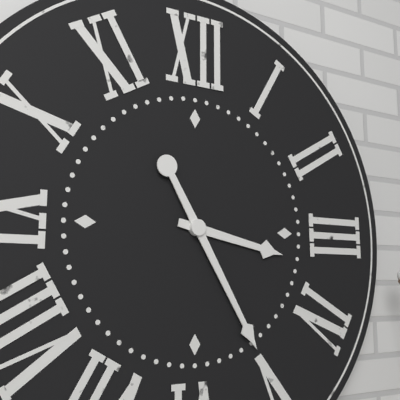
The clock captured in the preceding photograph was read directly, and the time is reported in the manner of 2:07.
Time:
3:25
